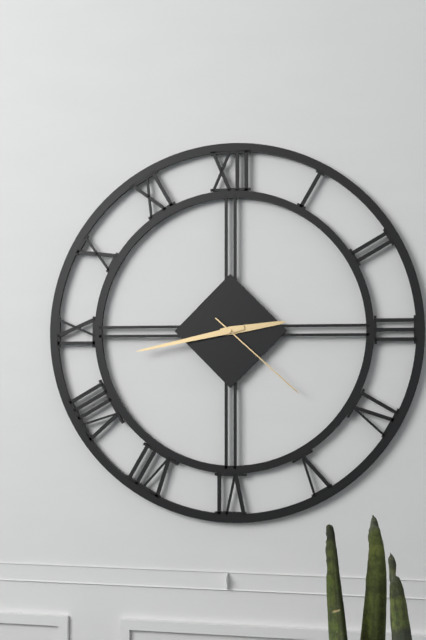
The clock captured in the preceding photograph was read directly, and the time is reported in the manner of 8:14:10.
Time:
2:43:22
